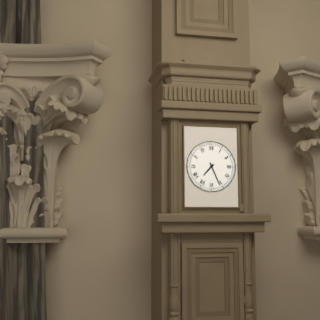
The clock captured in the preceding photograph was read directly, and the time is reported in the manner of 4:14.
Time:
7:26
